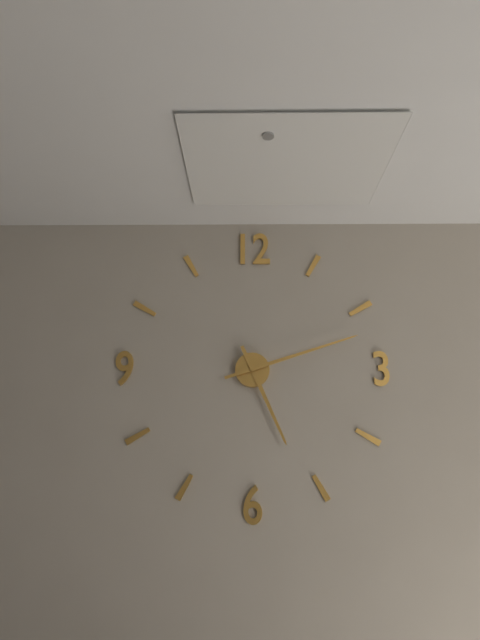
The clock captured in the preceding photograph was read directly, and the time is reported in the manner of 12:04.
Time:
5:12
